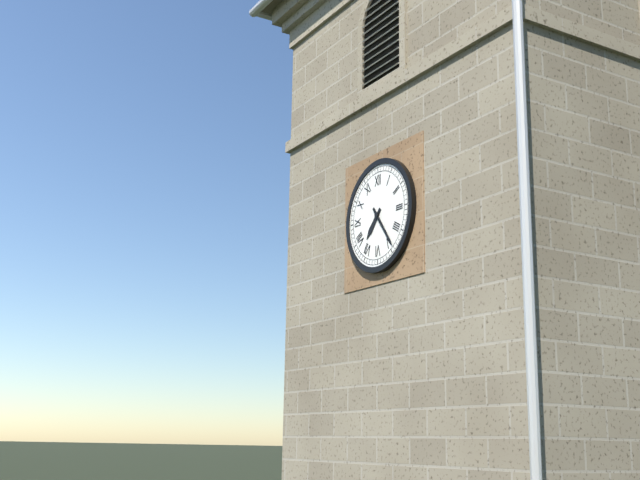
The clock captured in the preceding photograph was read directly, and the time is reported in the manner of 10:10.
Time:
7:24
